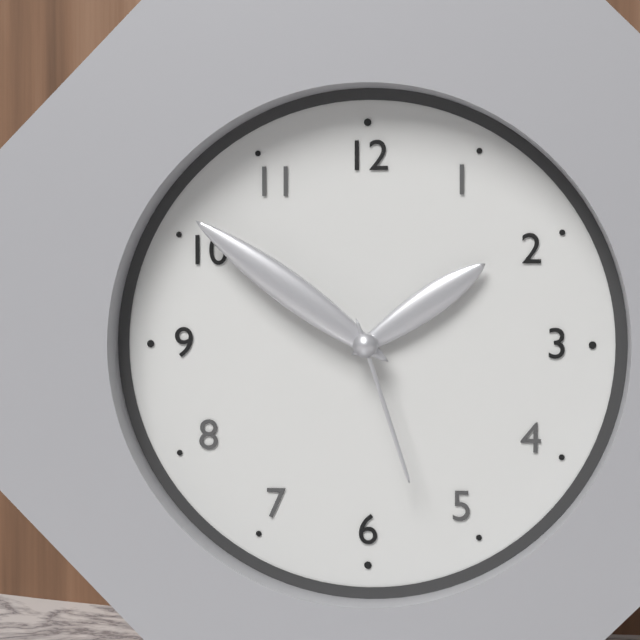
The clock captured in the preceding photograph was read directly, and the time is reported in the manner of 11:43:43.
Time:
1:51:27
